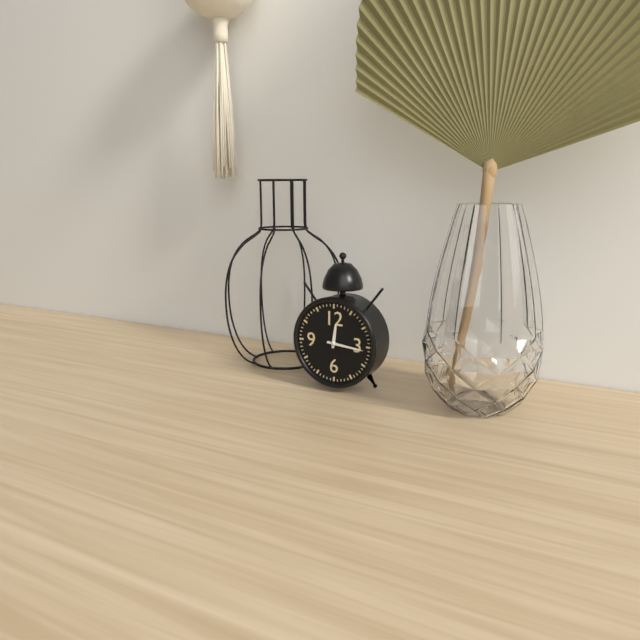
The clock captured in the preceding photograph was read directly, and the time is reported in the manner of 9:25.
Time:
12:16
